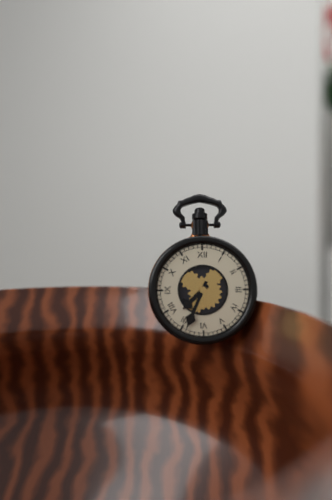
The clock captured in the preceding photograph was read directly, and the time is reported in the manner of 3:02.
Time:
7:34
